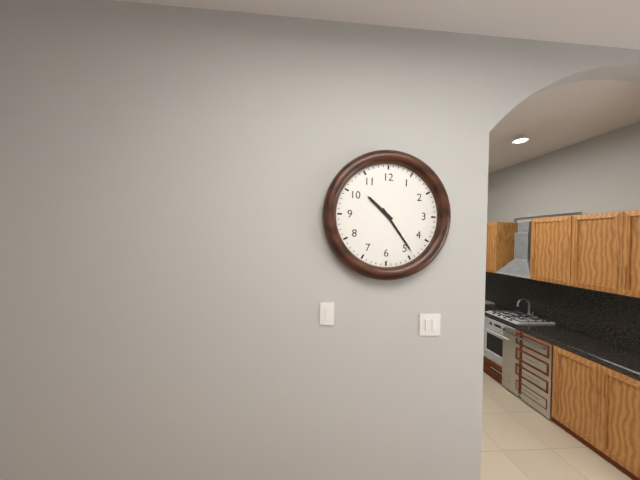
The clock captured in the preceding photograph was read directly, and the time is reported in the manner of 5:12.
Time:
10:24
